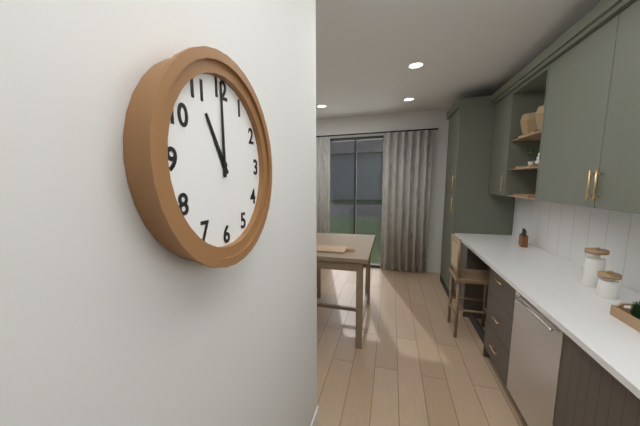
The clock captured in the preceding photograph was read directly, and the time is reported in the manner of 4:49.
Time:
11:00
